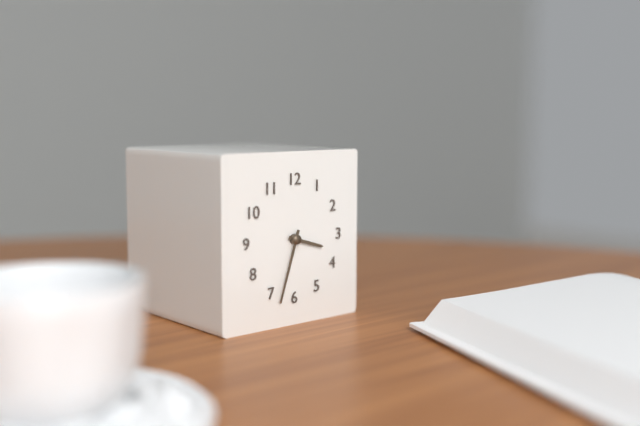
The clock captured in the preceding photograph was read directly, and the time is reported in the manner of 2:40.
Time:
3:33
